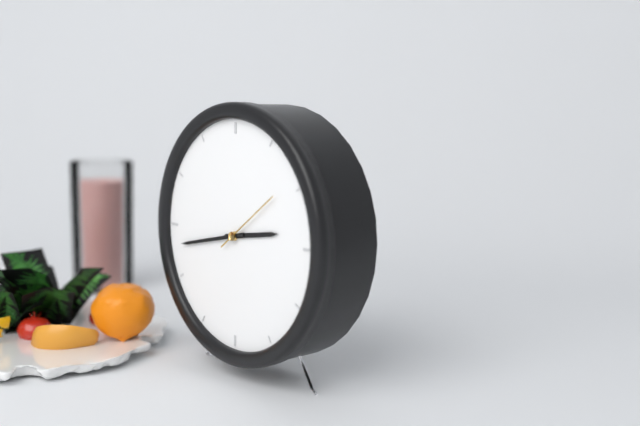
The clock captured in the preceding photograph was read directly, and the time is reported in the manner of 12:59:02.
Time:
2:43:09
